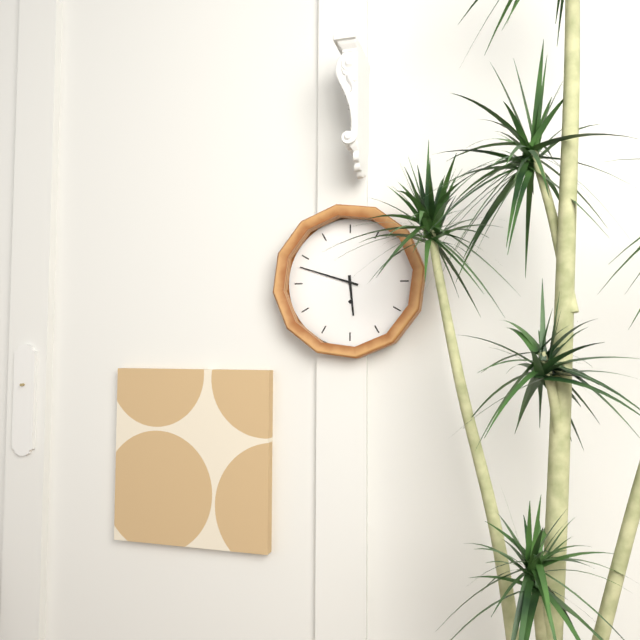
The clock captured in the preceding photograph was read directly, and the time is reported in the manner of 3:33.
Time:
5:48
